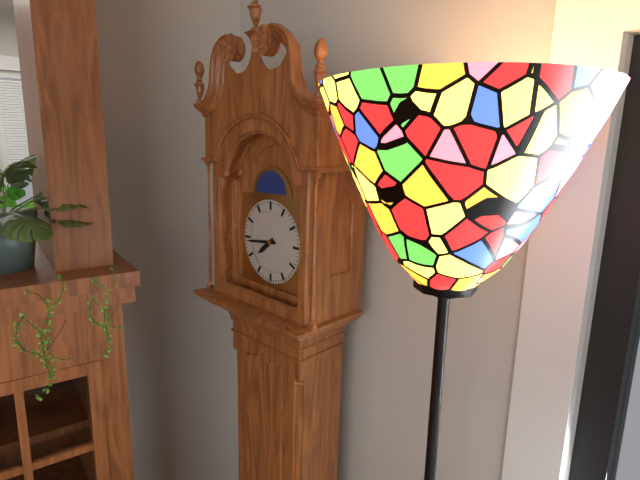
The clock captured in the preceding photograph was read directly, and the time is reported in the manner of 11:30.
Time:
7:44
